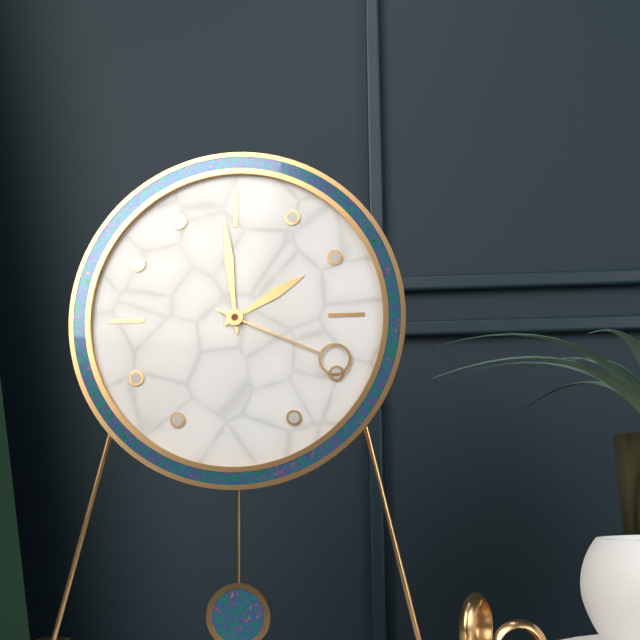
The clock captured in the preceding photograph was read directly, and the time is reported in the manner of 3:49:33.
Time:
1:59:19
